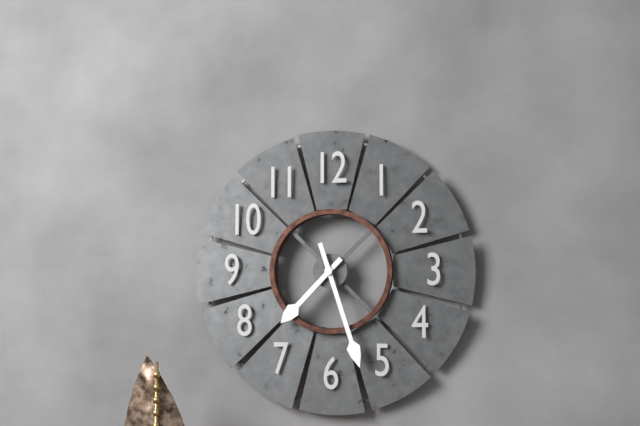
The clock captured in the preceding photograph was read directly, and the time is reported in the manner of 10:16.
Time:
7:27
